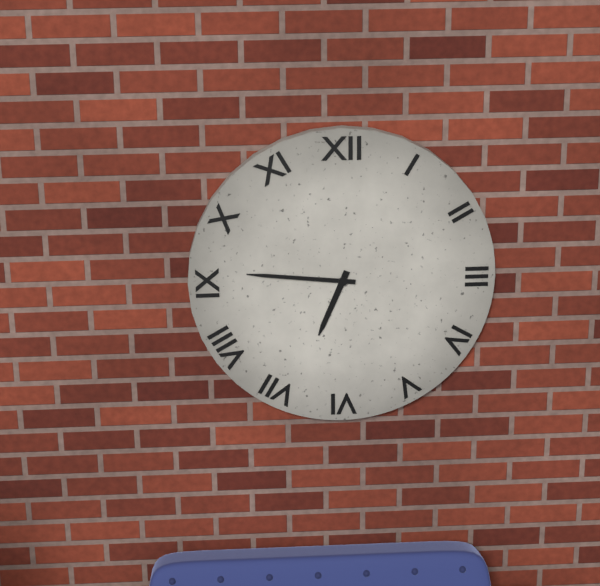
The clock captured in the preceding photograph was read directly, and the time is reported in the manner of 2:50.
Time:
6:46
